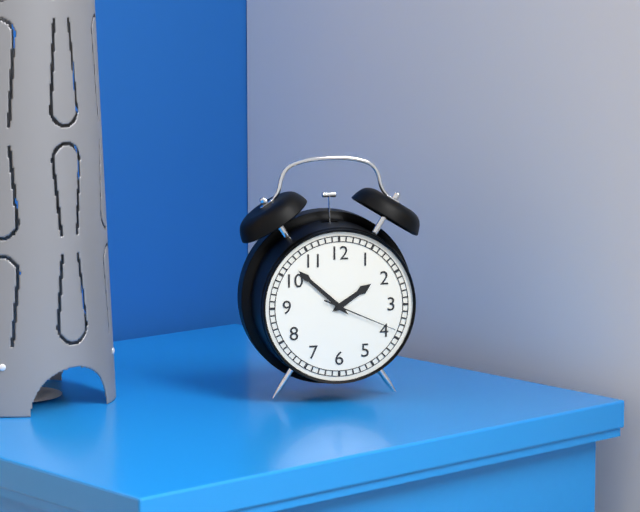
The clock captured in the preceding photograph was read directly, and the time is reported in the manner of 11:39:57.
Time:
1:52:19
